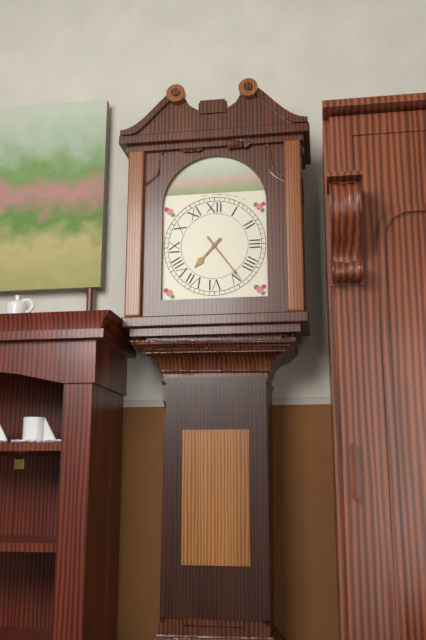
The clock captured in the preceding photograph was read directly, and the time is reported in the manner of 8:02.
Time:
7:24
